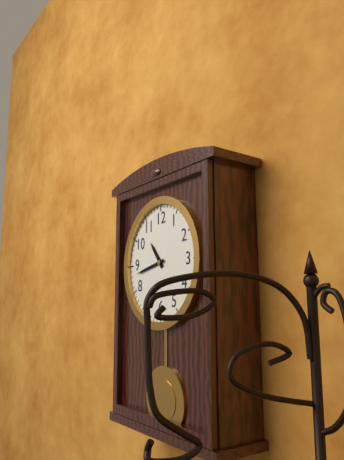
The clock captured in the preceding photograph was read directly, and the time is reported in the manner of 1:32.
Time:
10:43
